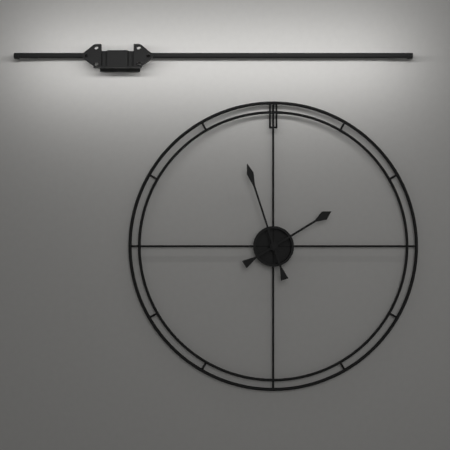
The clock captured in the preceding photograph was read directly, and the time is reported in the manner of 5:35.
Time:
1:57
